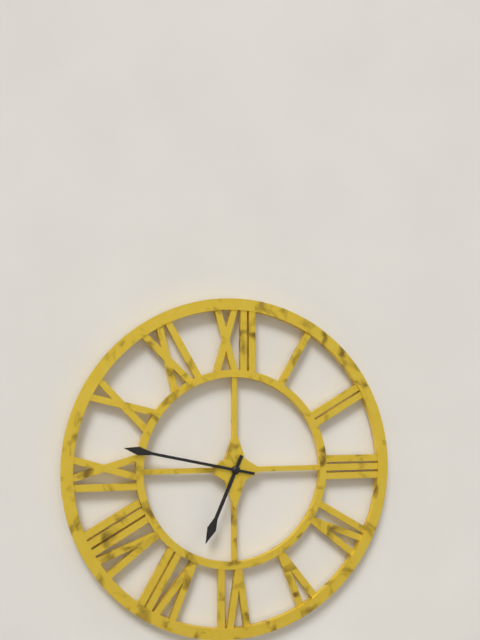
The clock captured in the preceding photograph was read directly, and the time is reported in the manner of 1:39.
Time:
6:47
